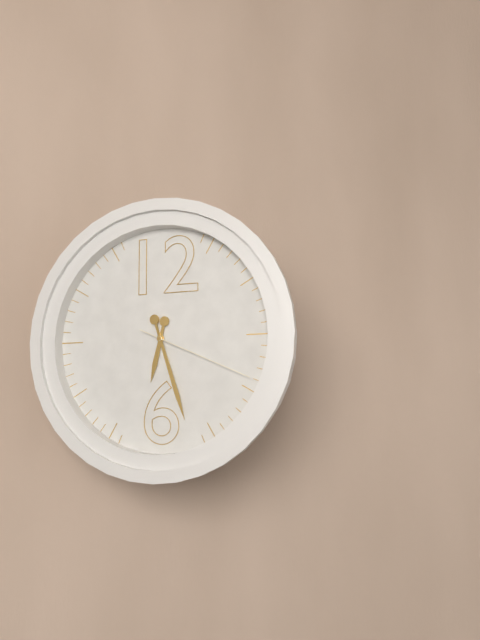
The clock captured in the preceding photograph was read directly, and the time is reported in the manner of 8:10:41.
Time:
6:27:19
